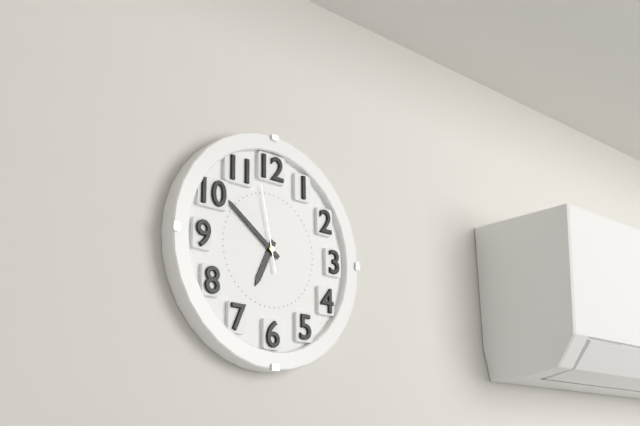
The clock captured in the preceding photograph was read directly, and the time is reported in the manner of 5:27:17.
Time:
6:51:58
